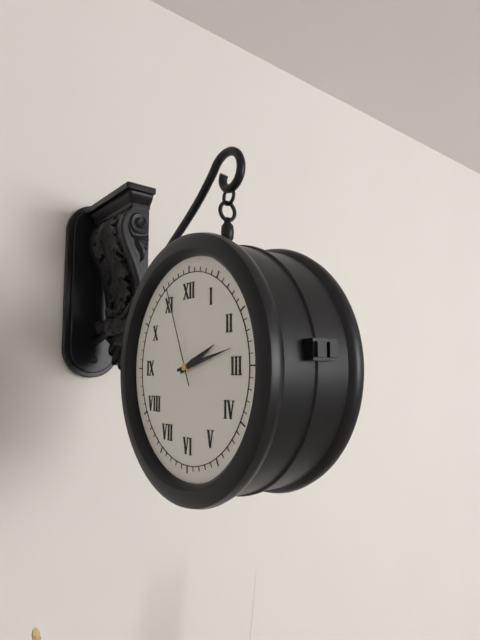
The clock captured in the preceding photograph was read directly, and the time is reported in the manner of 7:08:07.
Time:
2:13:56
